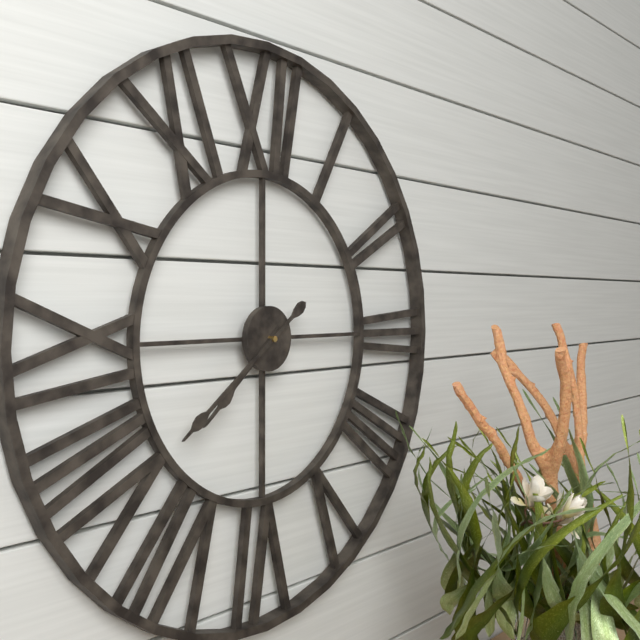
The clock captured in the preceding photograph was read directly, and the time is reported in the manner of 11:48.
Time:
7:39
